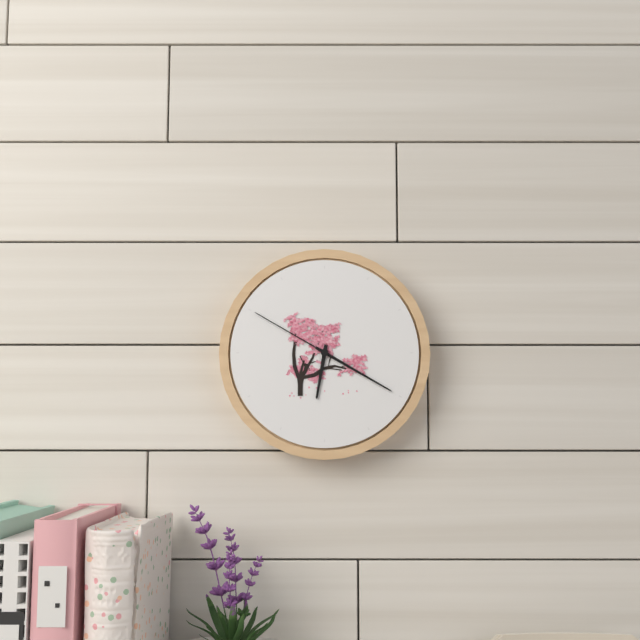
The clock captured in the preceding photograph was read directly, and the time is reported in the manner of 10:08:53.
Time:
6:20:50
